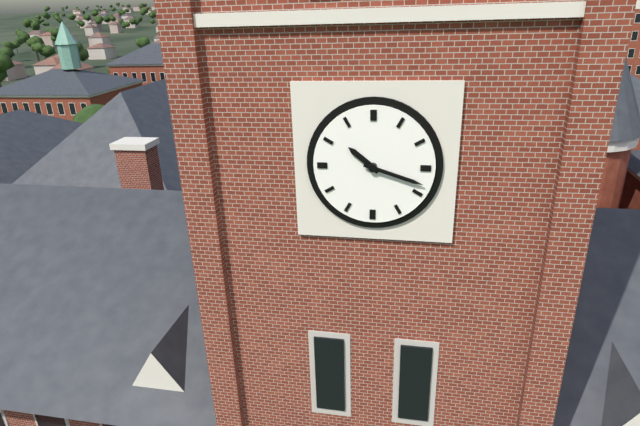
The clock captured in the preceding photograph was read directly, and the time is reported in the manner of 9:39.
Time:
10:18
